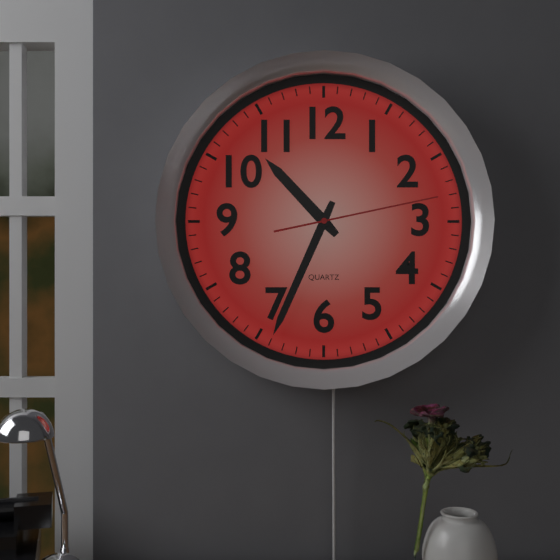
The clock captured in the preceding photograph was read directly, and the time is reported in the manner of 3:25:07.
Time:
10:34:13
